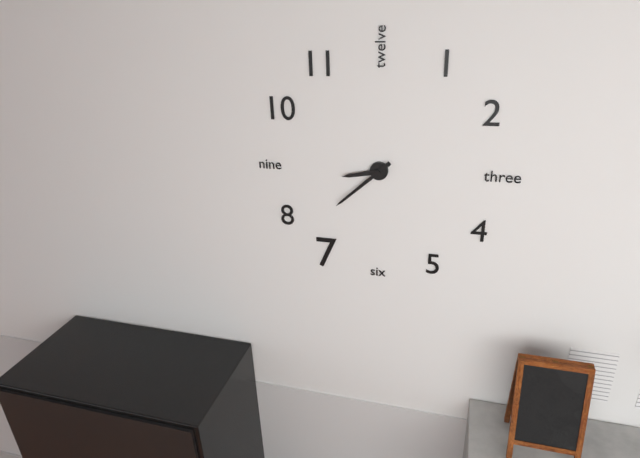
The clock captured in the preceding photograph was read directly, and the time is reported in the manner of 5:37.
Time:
8:38
